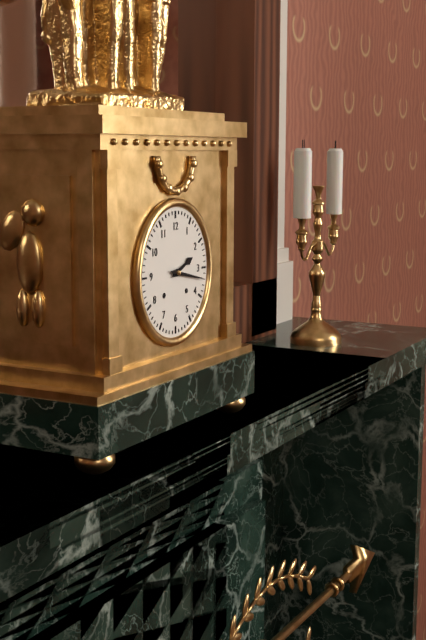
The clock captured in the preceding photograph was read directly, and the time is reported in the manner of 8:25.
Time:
2:17
